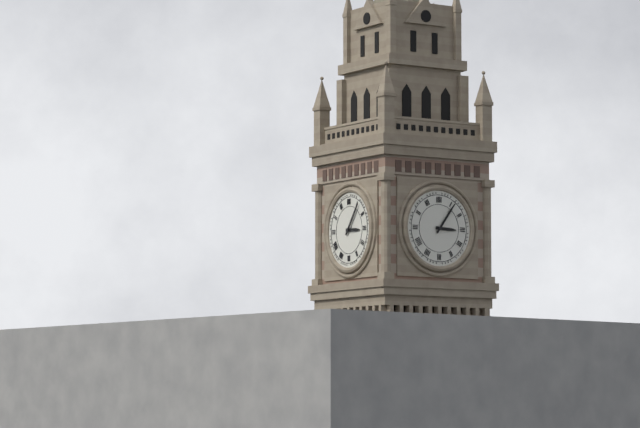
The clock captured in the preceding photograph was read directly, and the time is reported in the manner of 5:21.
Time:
3:06
